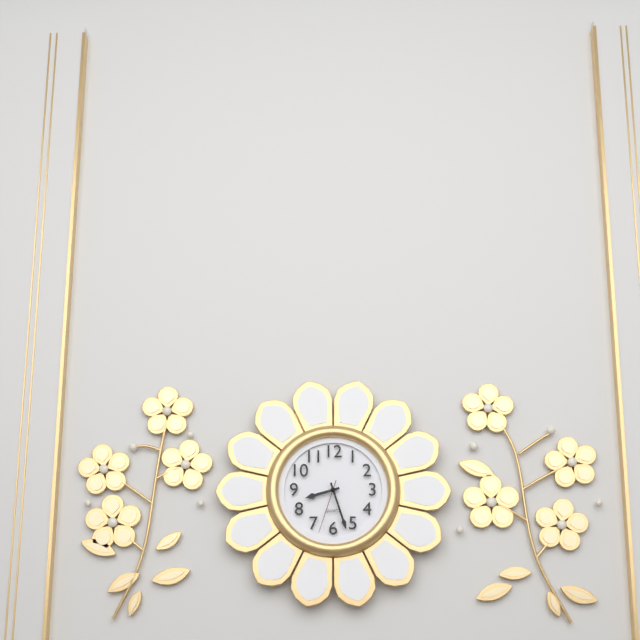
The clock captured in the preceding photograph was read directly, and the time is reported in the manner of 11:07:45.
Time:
8:27:33
